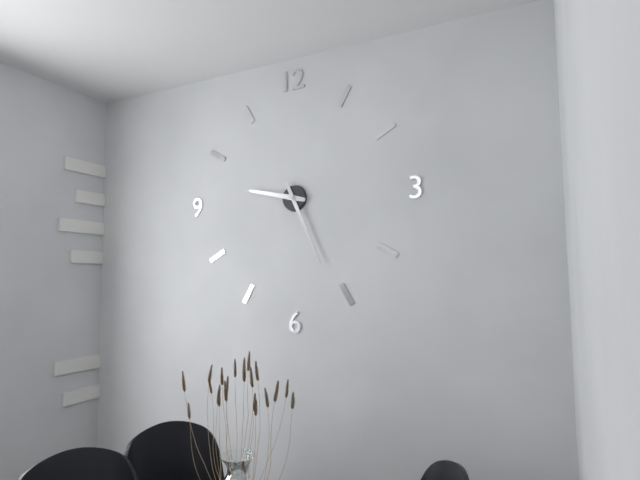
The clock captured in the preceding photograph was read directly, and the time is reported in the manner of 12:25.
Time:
9:26
